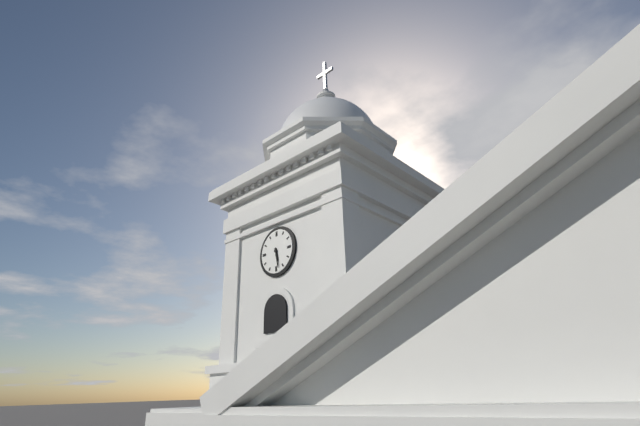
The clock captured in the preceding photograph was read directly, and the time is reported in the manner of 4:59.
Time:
5:28
